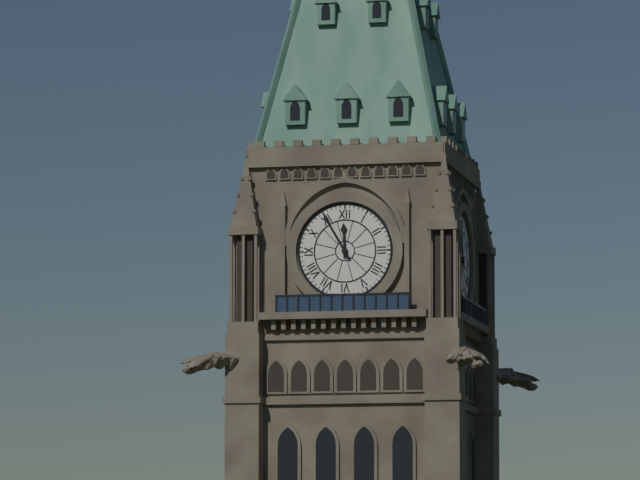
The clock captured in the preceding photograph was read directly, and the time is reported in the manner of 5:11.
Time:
11:55
